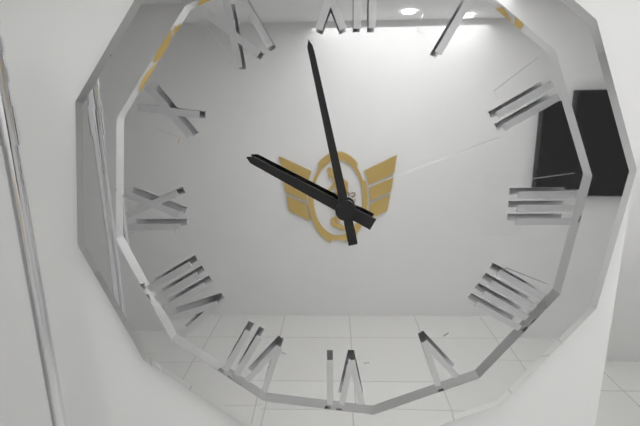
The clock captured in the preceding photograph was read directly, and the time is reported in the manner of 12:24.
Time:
9:58
